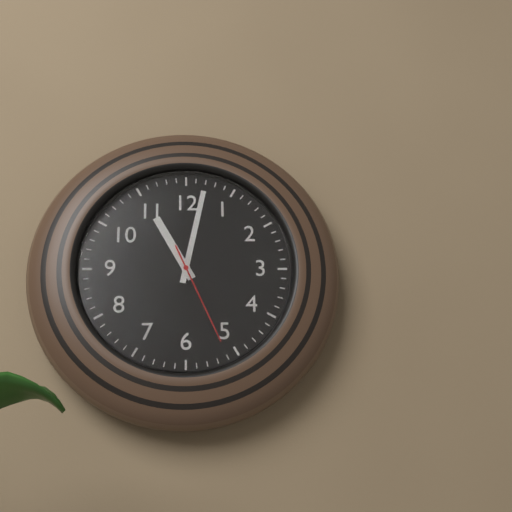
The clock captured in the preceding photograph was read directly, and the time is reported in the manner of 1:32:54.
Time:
11:02:26
